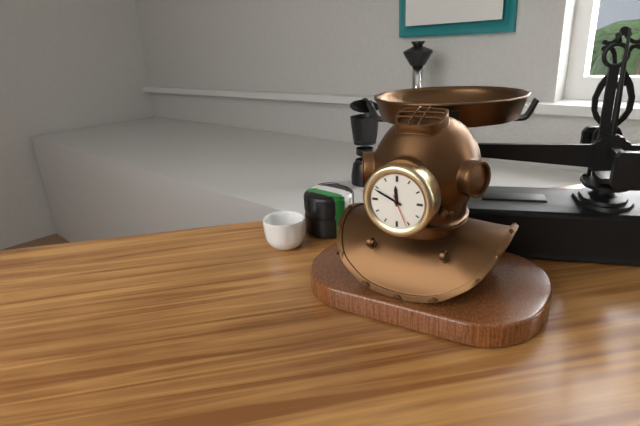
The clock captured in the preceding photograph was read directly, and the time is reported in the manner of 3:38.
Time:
11:49
